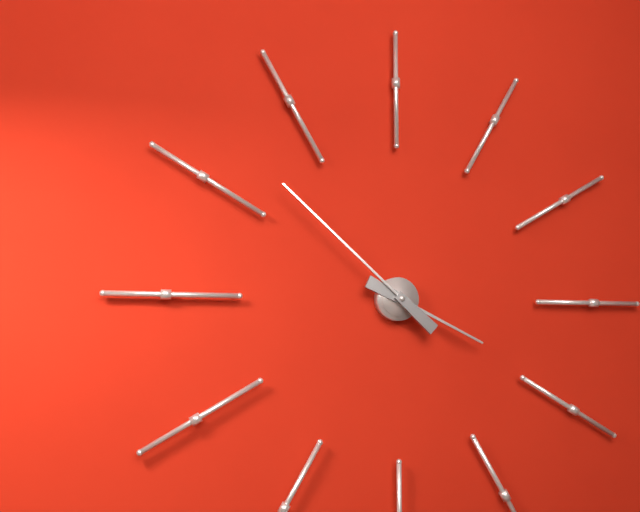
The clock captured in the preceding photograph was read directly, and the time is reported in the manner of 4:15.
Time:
3:52
